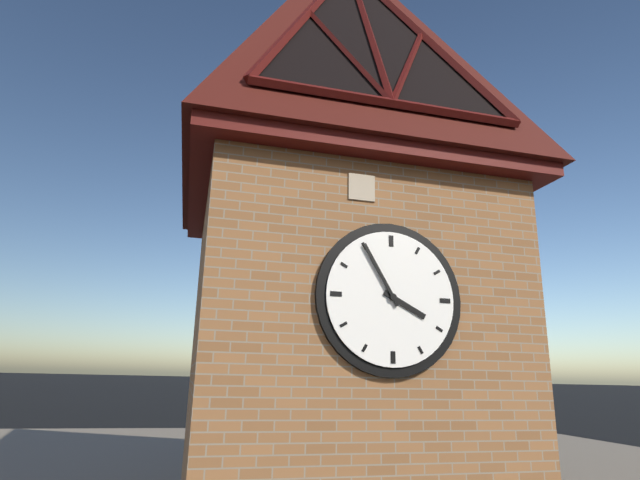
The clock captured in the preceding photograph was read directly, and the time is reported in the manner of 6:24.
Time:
3:55
